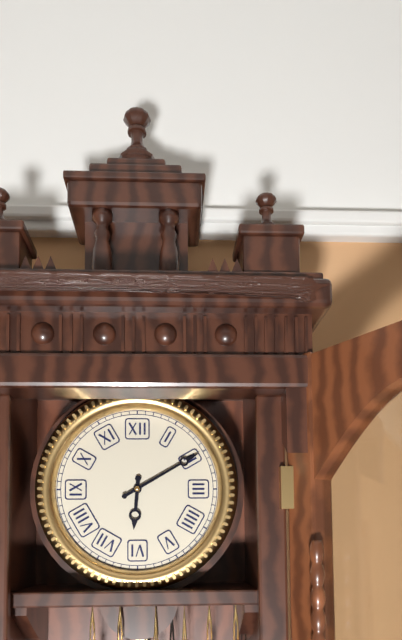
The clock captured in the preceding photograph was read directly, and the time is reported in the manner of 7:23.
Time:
6:10
